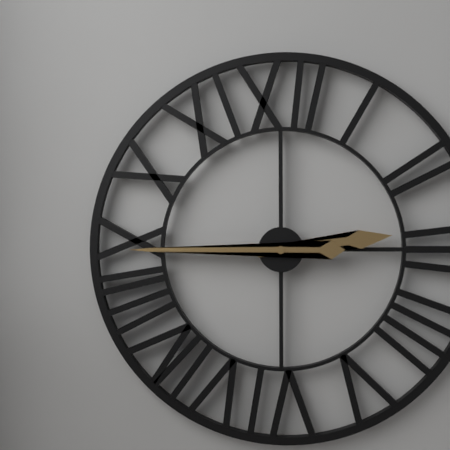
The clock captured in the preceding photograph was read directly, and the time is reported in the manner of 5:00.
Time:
2:45
